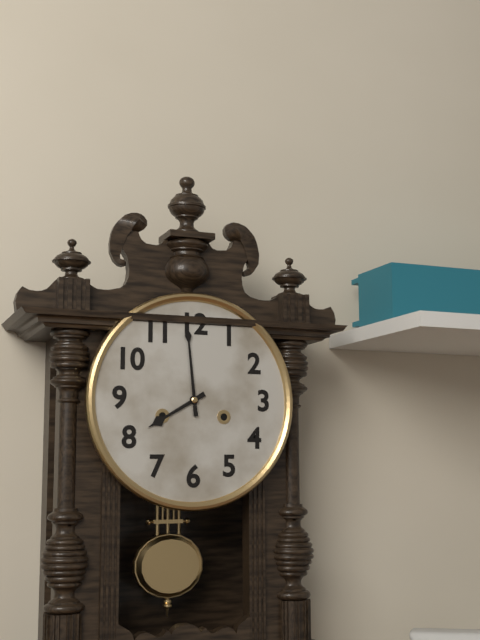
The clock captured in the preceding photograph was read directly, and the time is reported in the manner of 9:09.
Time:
7:59
